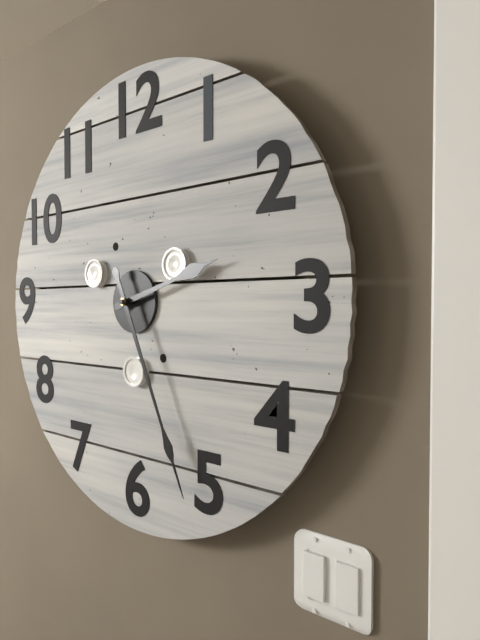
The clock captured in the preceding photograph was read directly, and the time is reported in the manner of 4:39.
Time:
2:26
